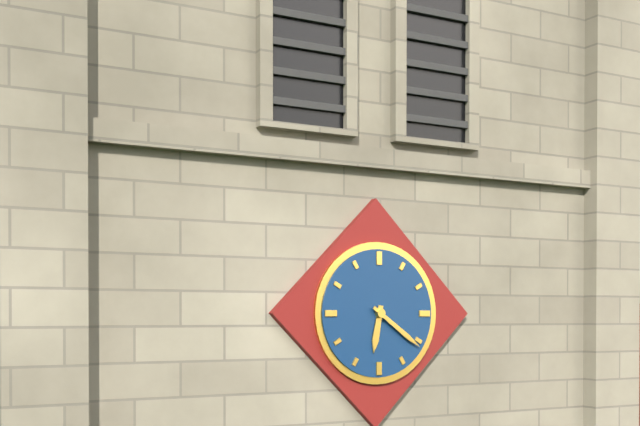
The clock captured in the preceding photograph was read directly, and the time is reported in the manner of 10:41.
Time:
6:21
